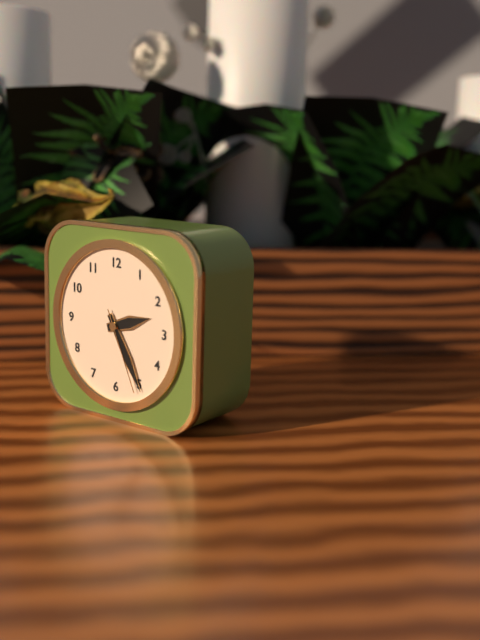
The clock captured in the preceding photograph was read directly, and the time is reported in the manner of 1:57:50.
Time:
2:25:26
